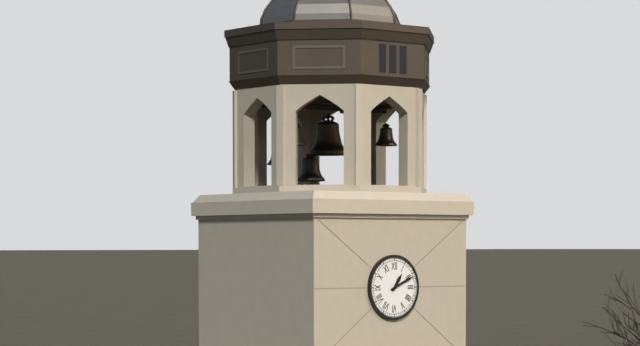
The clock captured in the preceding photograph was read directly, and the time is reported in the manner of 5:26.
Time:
1:11
